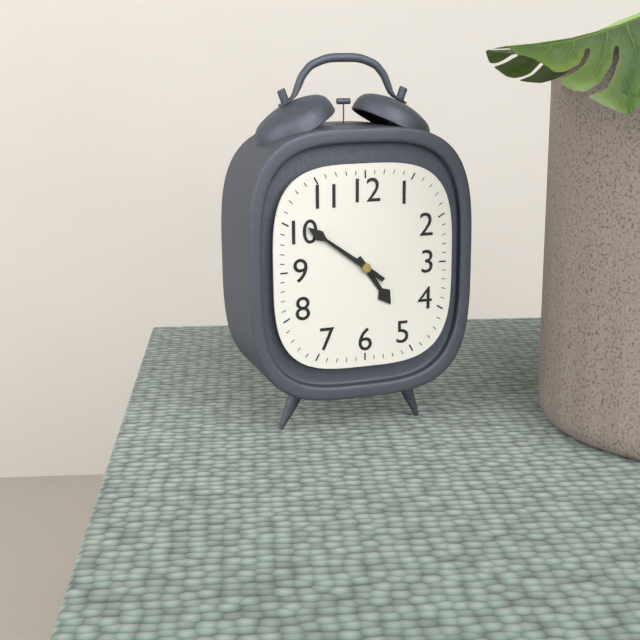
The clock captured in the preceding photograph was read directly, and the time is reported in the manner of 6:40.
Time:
4:51
